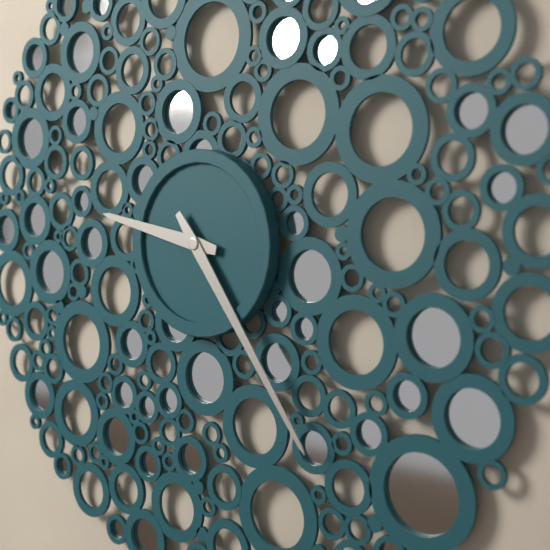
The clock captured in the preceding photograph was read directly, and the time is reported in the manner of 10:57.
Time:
9:24
